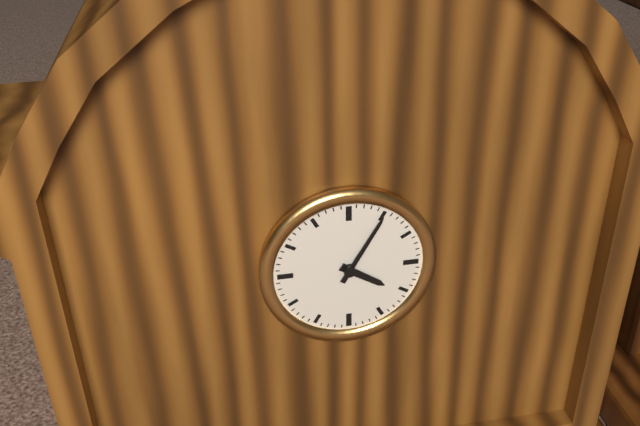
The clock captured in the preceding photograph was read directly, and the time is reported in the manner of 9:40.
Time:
4:05
